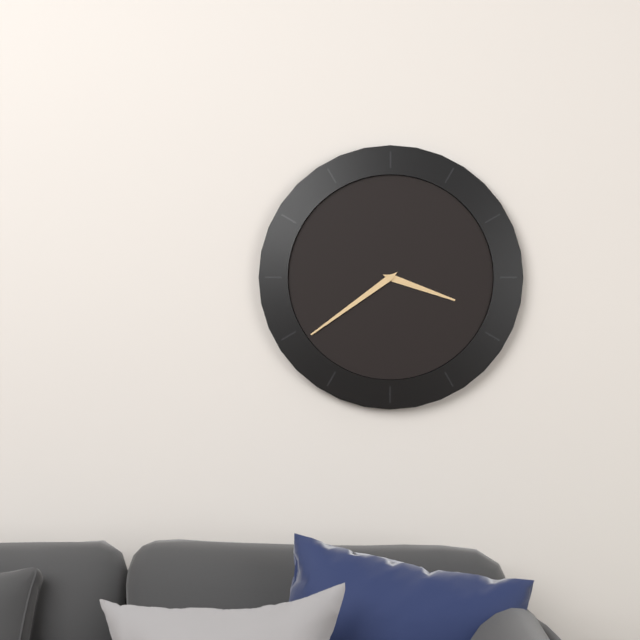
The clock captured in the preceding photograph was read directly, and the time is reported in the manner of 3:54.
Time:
3:39
